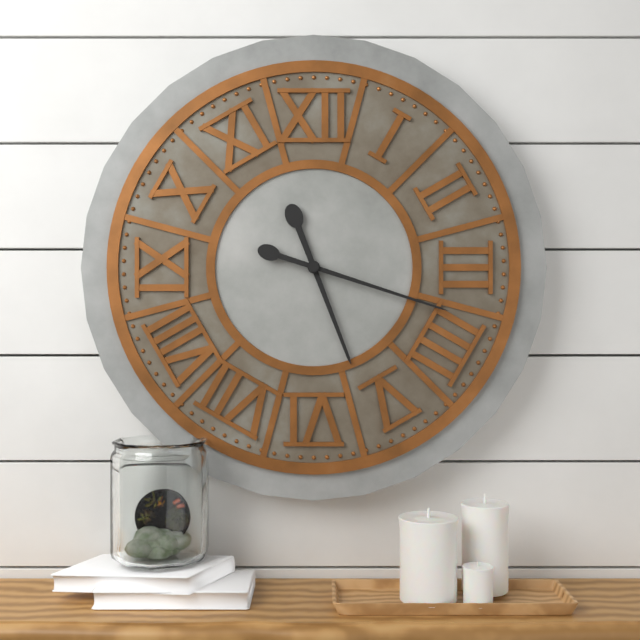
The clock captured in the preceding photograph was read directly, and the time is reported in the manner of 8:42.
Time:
5:18
